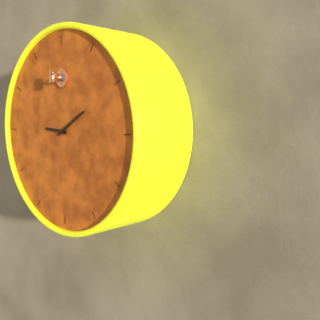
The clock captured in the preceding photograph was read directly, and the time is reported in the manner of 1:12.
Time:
9:10
